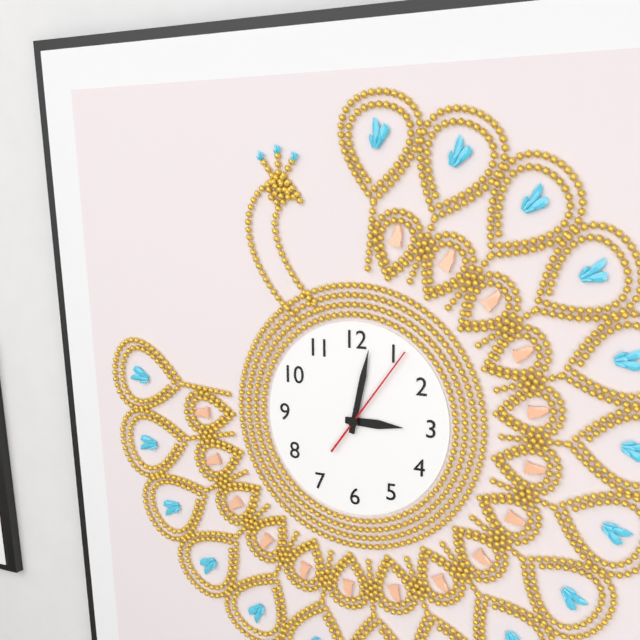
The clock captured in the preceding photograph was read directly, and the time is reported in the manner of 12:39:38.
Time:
3:02:06
